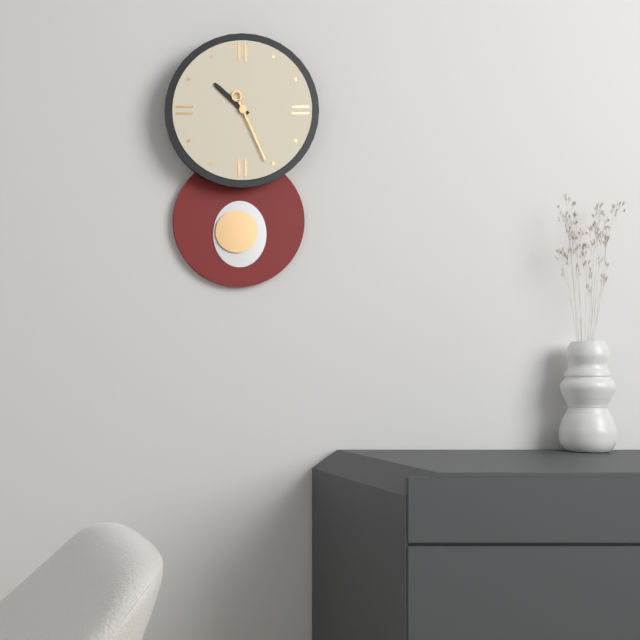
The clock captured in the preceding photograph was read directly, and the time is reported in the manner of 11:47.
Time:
10:26
